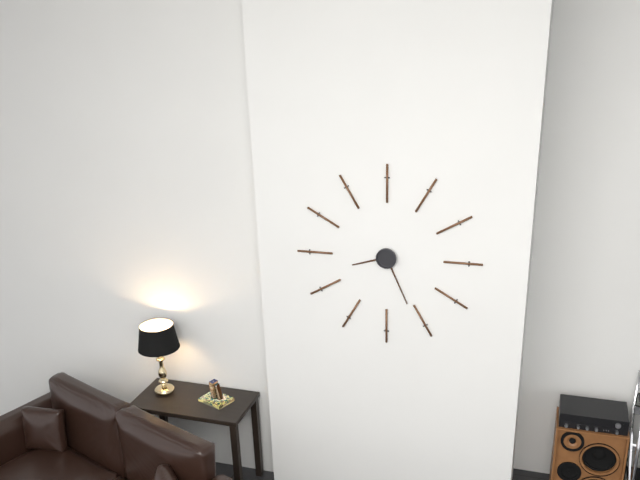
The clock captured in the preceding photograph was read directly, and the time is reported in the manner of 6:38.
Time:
8:26
